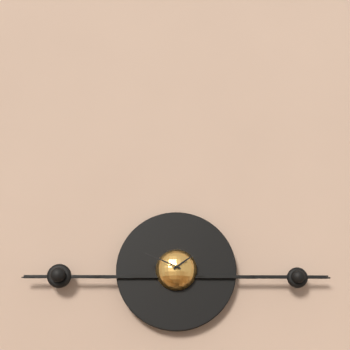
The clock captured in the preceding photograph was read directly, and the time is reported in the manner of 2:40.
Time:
1:49
